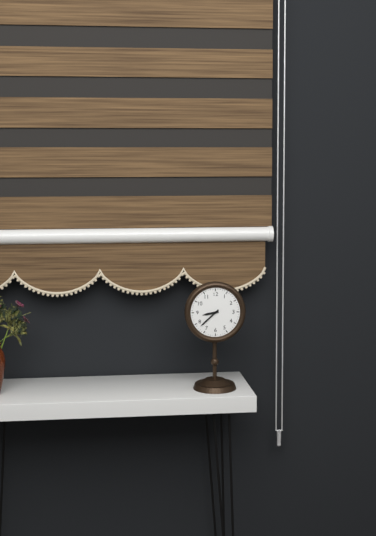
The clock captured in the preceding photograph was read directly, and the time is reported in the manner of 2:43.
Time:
8:38
